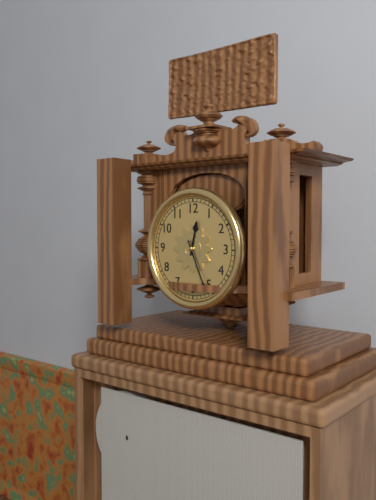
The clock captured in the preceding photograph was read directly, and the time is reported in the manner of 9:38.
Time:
12:26
